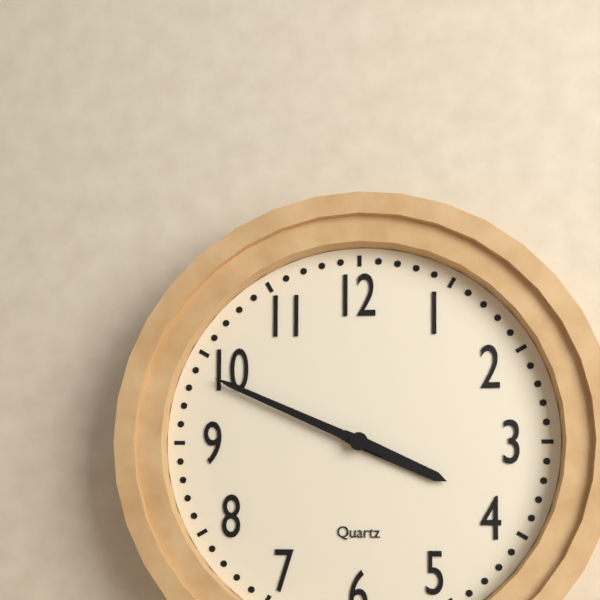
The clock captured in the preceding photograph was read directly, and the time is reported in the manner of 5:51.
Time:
3:49
